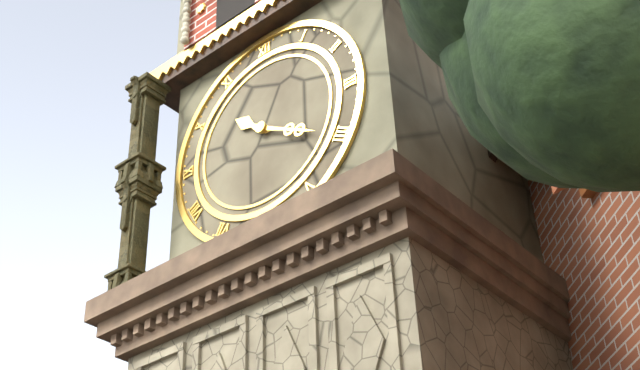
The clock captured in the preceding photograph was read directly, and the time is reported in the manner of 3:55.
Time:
10:20
